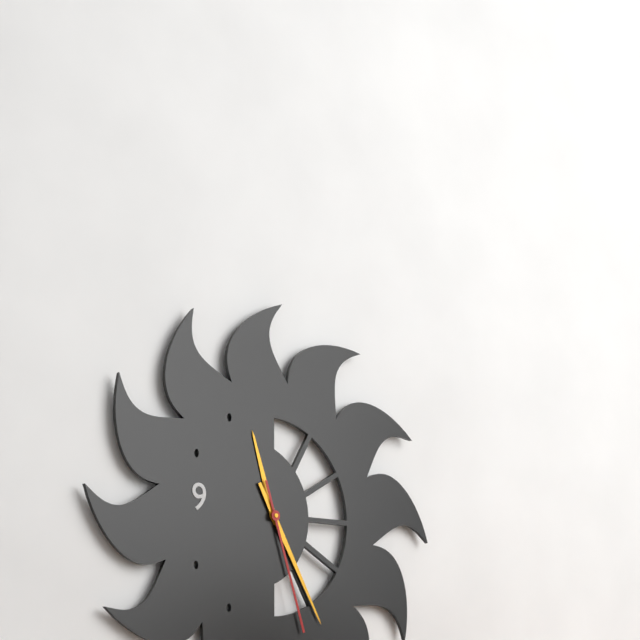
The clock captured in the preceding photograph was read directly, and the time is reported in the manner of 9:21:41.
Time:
11:25:27
